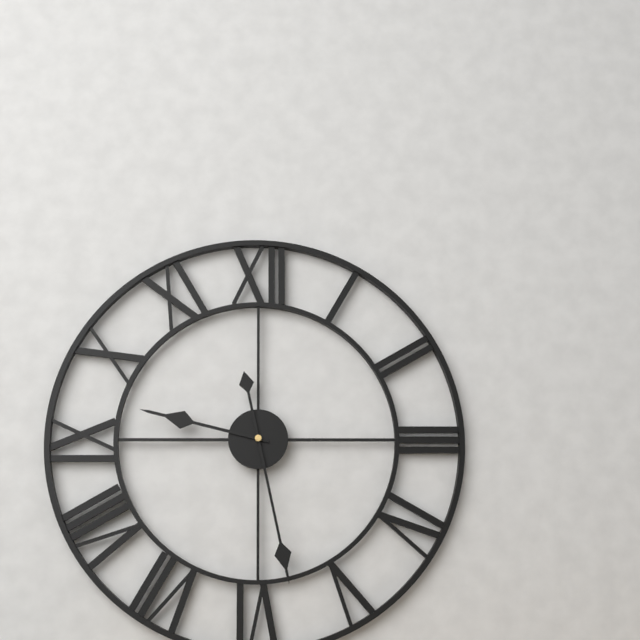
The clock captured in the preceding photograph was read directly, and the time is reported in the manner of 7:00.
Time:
9:28
